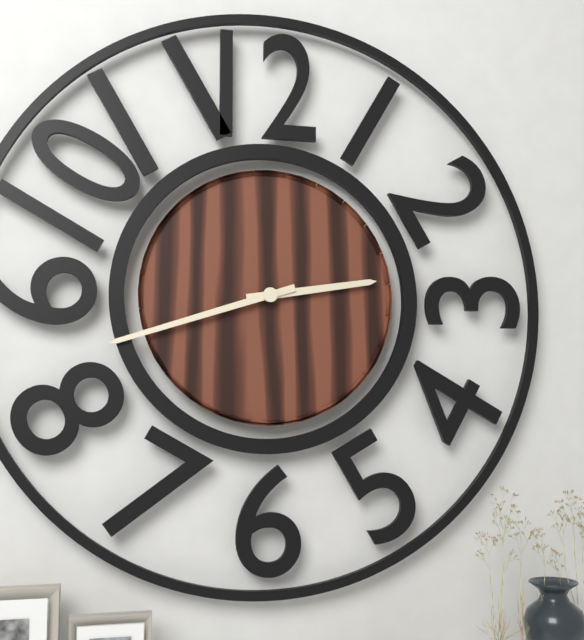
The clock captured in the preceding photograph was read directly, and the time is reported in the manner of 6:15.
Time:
2:42
